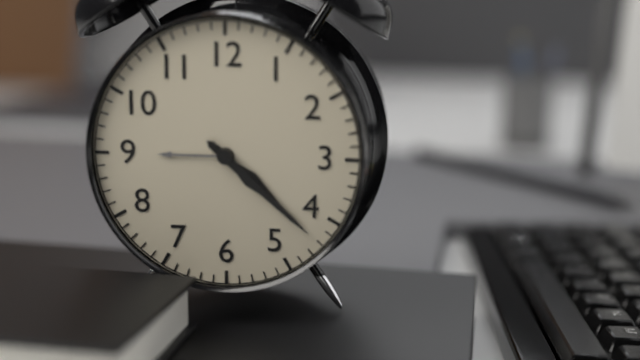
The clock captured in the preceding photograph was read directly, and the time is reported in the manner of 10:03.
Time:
4:22
